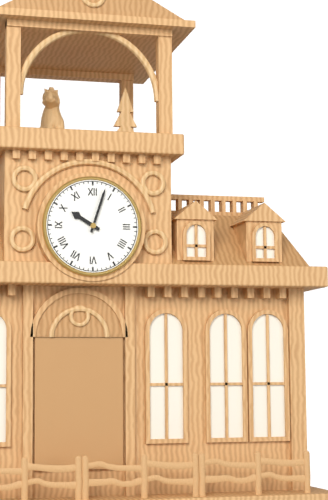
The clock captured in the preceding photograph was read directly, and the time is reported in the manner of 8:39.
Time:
10:03
